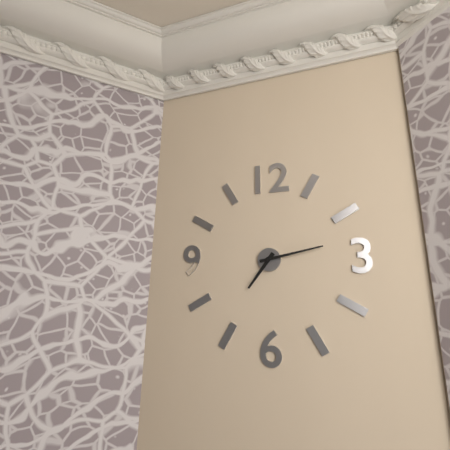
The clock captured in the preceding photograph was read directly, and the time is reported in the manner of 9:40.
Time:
7:13
